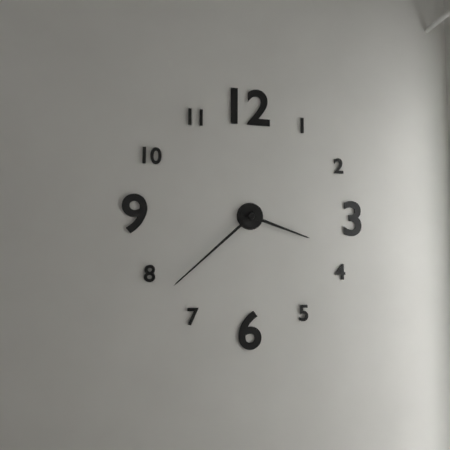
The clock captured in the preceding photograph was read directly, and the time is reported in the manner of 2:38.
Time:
3:38
